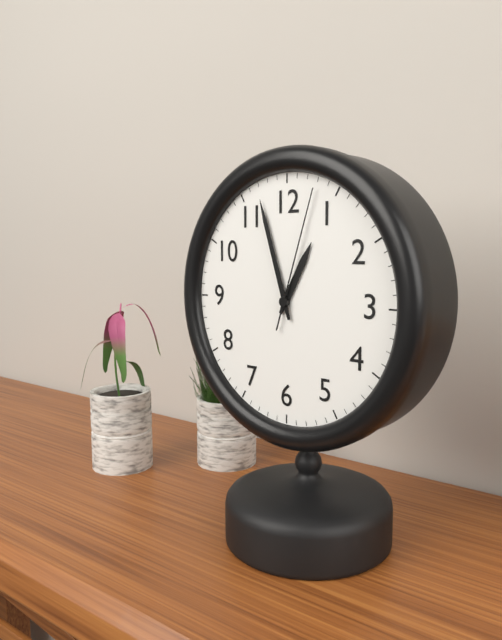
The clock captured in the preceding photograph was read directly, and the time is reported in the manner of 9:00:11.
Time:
12:57:03
